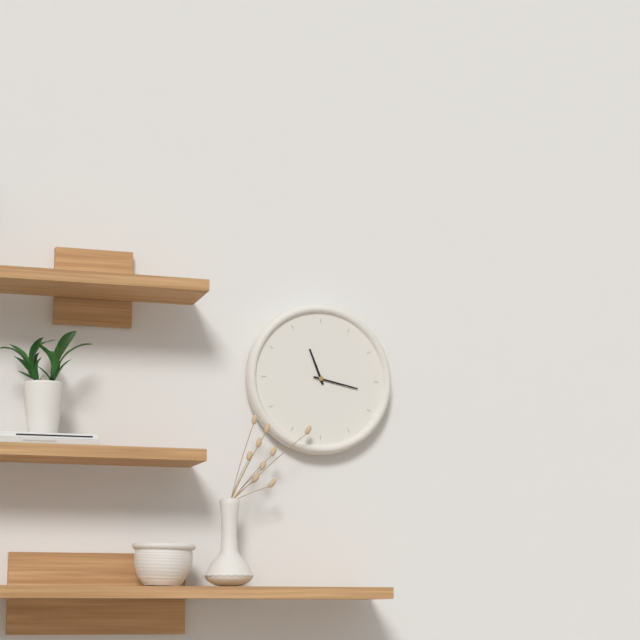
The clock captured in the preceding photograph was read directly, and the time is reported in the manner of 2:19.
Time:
11:17
